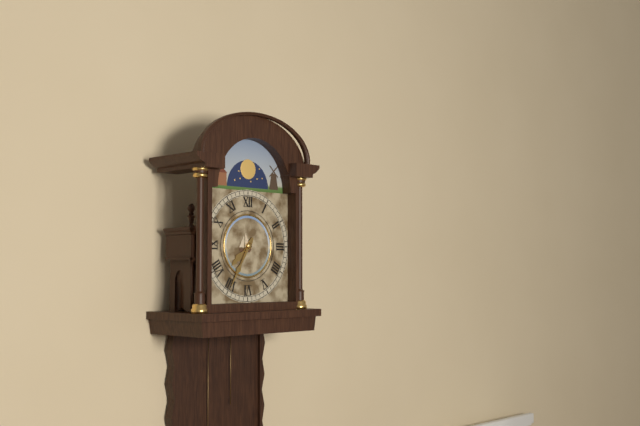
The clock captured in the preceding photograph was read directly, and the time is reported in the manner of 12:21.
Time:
7:35
